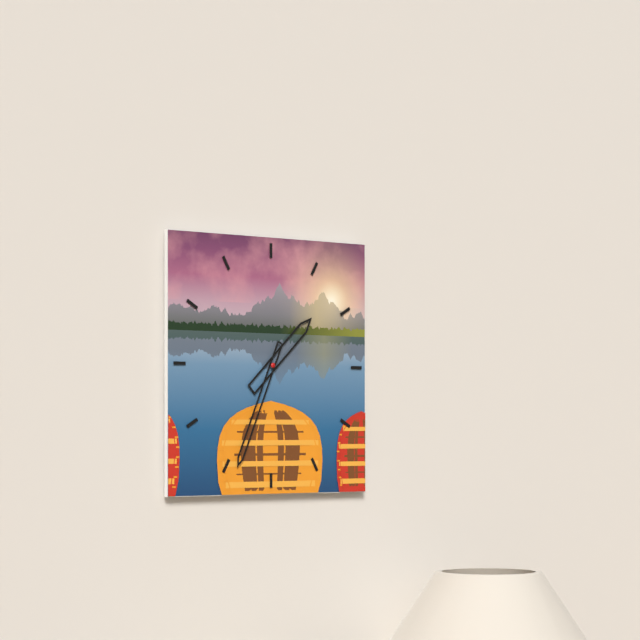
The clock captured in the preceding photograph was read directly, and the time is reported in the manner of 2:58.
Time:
1:34
